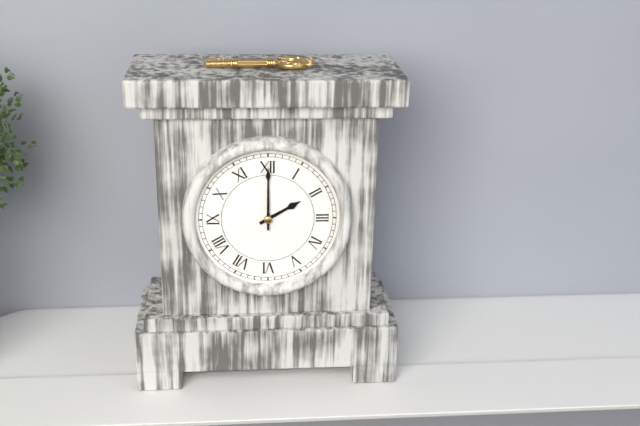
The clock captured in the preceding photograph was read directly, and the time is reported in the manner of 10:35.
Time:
2:00
